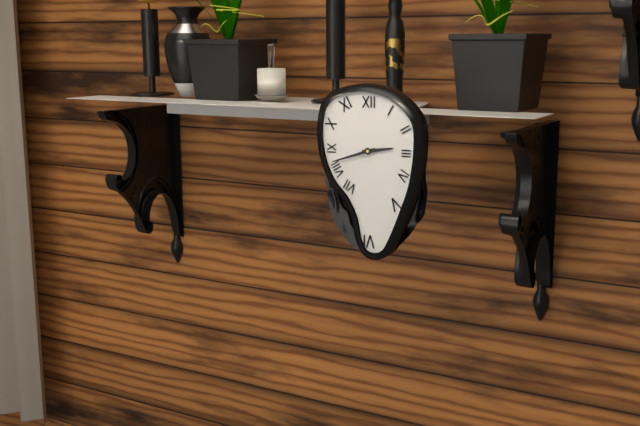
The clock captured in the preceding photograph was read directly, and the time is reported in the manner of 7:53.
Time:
2:42
